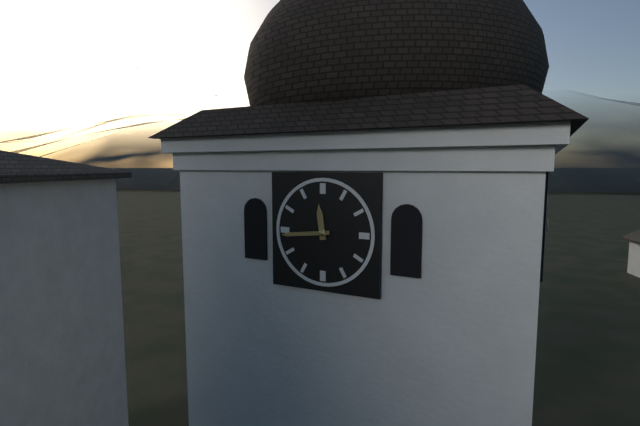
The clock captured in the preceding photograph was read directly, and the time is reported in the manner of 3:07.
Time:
11:44
